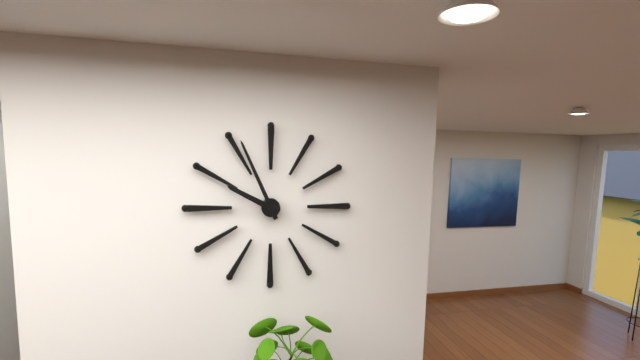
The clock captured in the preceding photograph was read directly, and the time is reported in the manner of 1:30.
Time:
9:56
